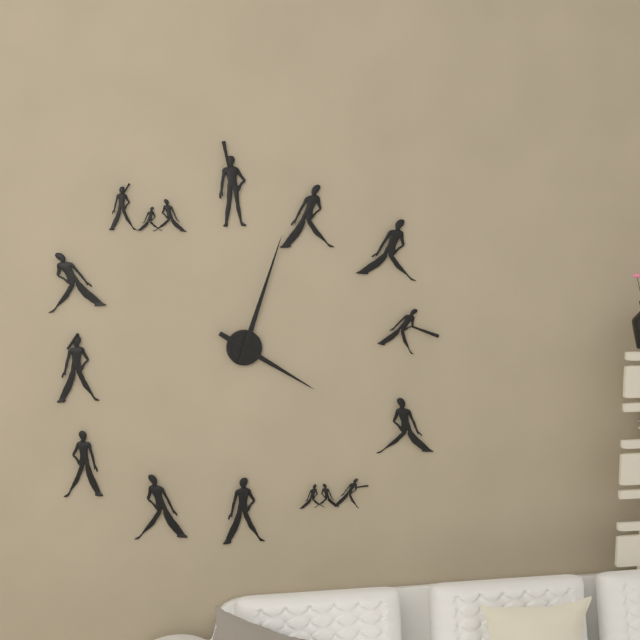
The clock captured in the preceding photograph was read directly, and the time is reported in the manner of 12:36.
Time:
4:03
